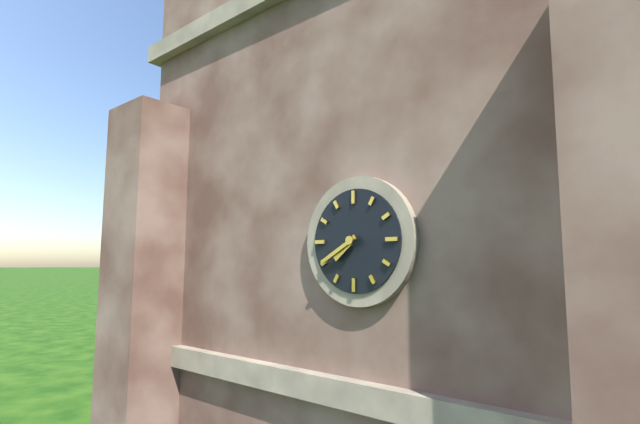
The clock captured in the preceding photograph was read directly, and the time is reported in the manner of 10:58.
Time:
7:40
